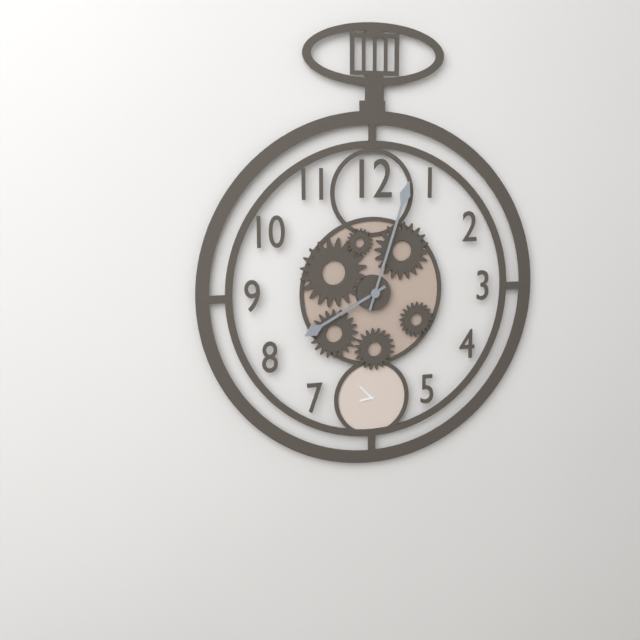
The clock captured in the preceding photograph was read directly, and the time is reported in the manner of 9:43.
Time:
8:03
